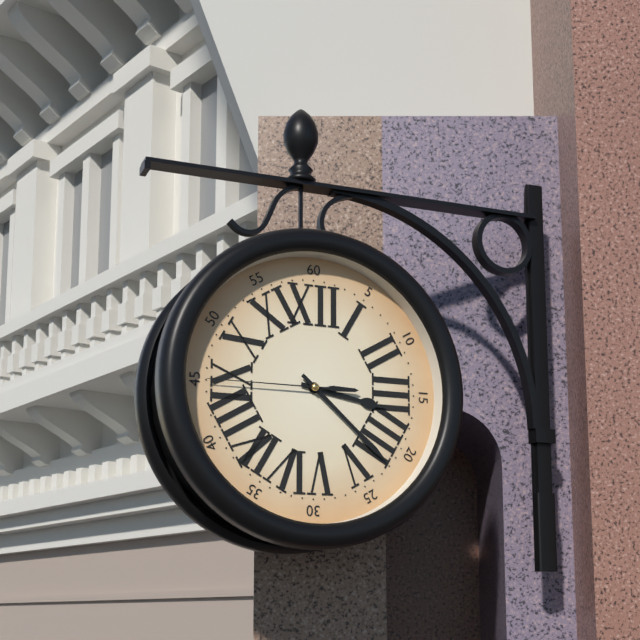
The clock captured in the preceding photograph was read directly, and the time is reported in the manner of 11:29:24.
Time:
3:22:45
